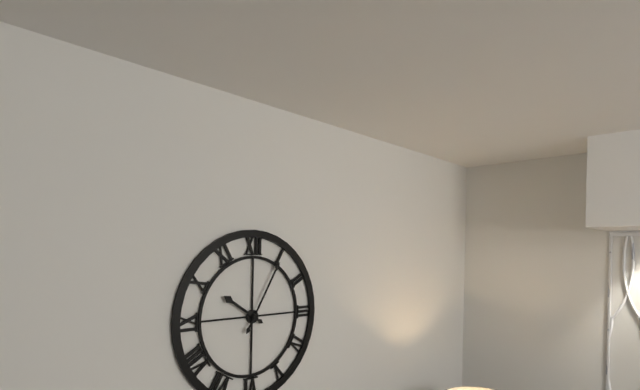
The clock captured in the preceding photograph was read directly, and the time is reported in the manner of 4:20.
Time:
10:05
